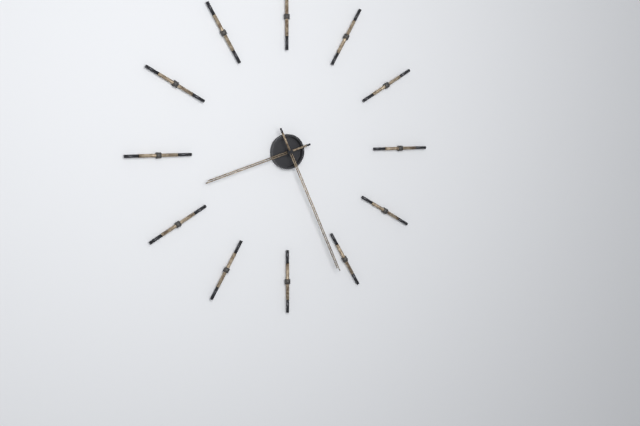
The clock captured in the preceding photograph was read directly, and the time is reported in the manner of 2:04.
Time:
8:26
